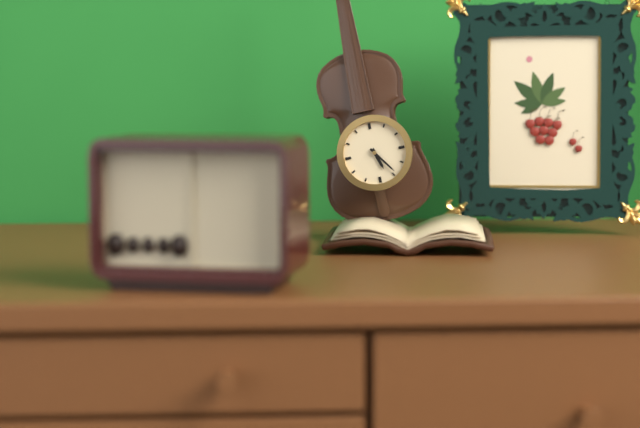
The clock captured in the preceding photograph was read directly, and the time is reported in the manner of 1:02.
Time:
5:24
